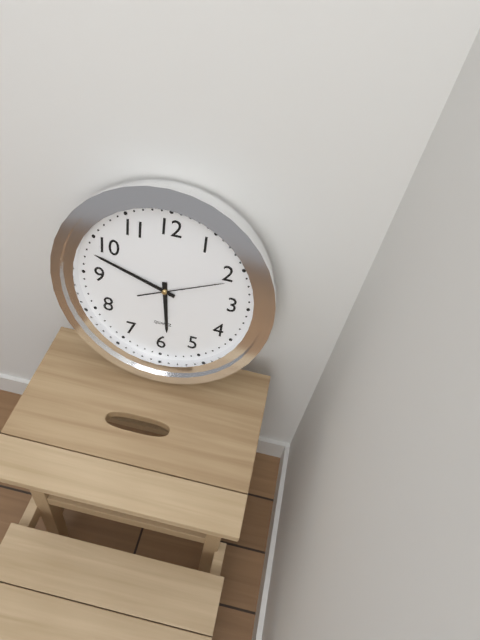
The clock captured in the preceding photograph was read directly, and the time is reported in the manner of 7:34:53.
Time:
5:48:11
